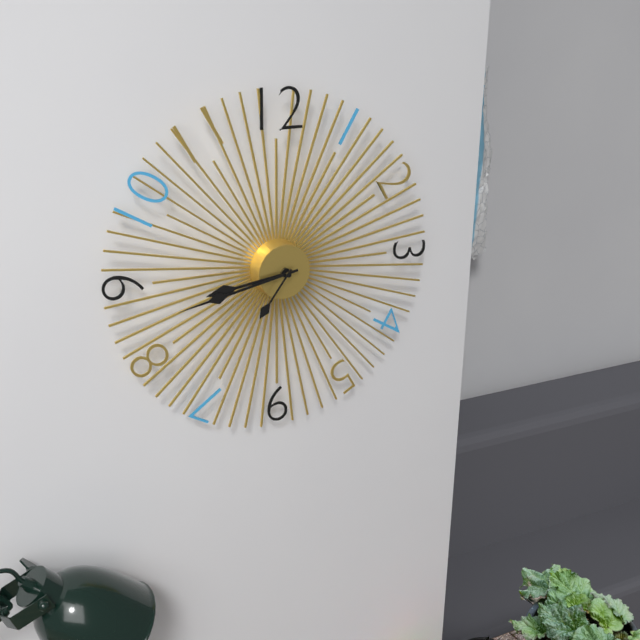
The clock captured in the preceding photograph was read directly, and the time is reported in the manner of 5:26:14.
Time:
8:43:36
